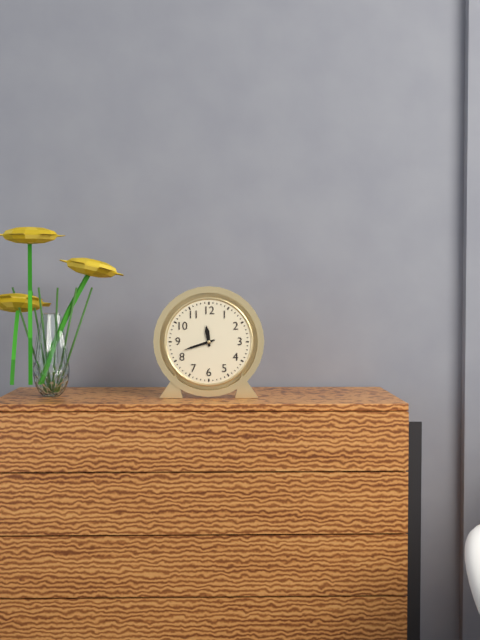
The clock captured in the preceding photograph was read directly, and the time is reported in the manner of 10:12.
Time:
11:42
